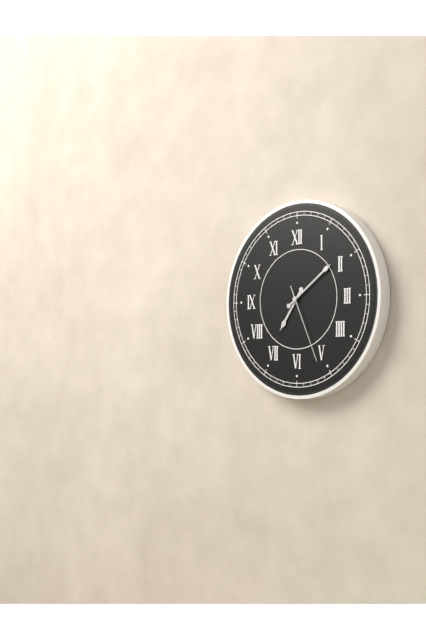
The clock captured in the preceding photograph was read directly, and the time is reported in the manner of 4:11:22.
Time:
7:09:26
